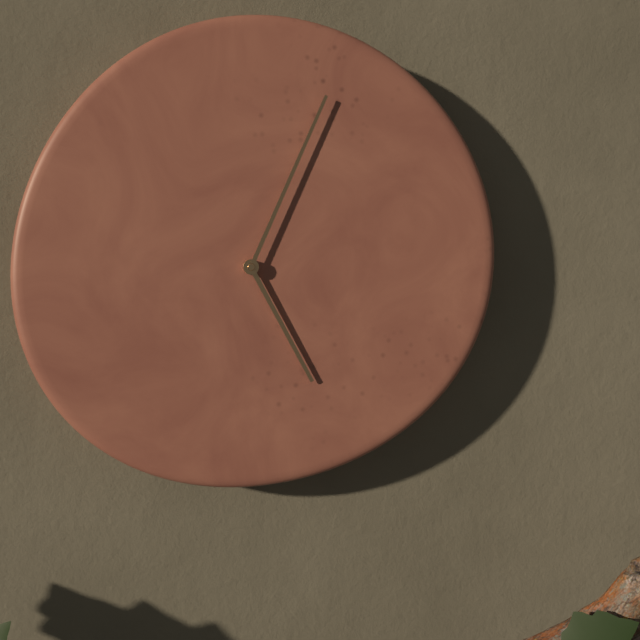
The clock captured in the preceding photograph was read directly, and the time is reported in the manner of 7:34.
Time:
5:04
